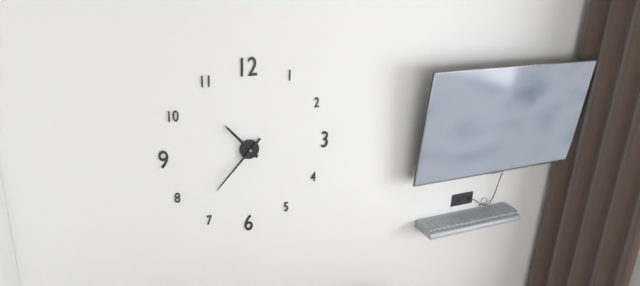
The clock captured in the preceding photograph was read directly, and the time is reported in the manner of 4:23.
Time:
10:37
